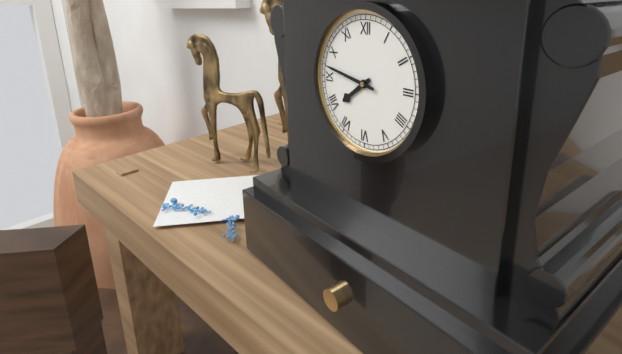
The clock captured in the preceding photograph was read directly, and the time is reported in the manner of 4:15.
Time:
7:47
